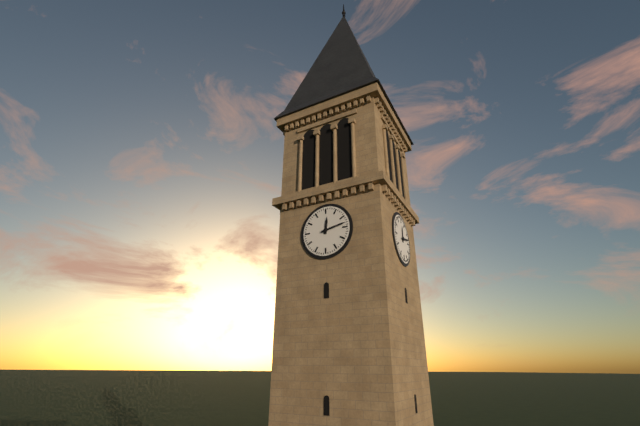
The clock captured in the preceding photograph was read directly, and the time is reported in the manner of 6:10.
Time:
12:13
